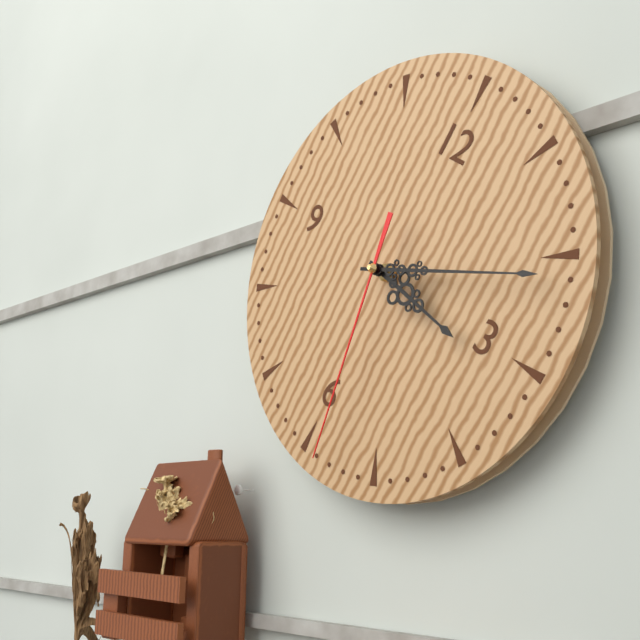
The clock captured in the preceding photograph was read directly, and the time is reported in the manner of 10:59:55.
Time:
3:11:28
